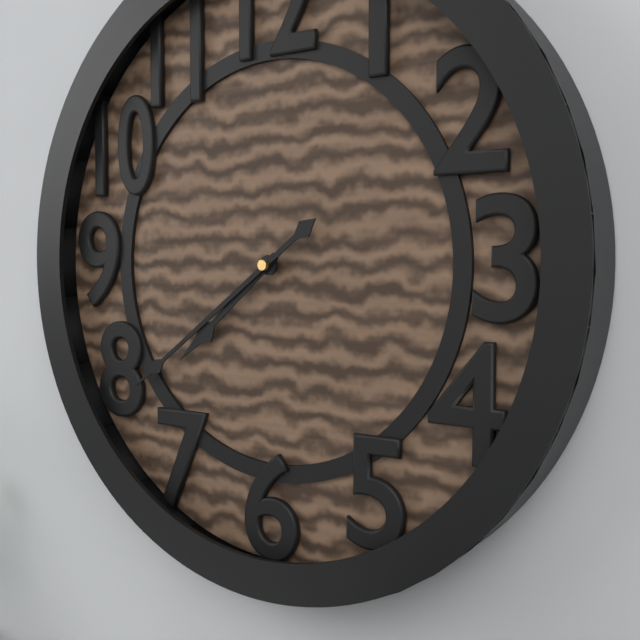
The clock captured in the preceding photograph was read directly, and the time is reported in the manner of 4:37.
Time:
7:39
